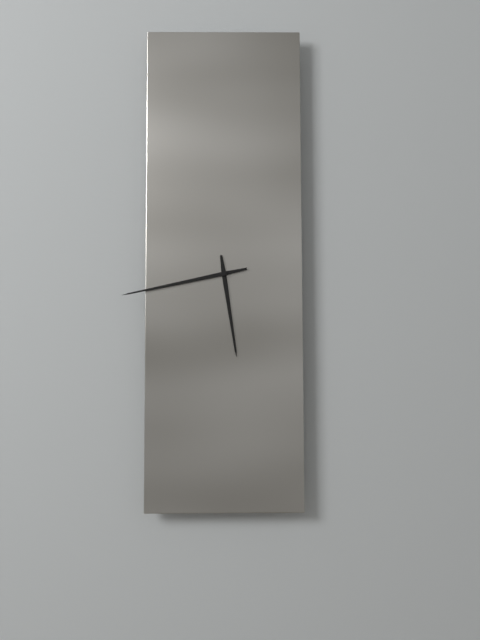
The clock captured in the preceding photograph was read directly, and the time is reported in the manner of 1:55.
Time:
5:43
